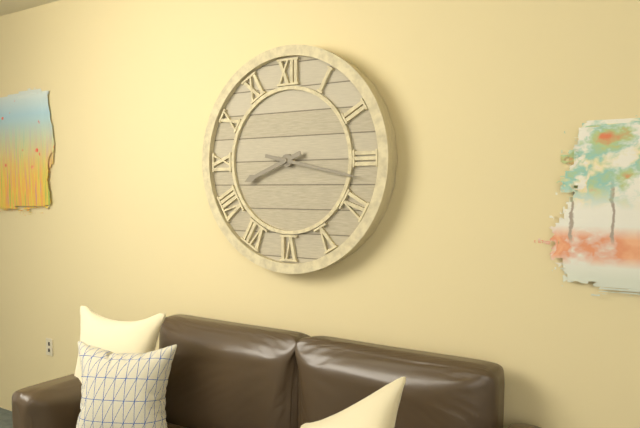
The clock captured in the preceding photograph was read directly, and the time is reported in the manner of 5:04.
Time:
8:17
